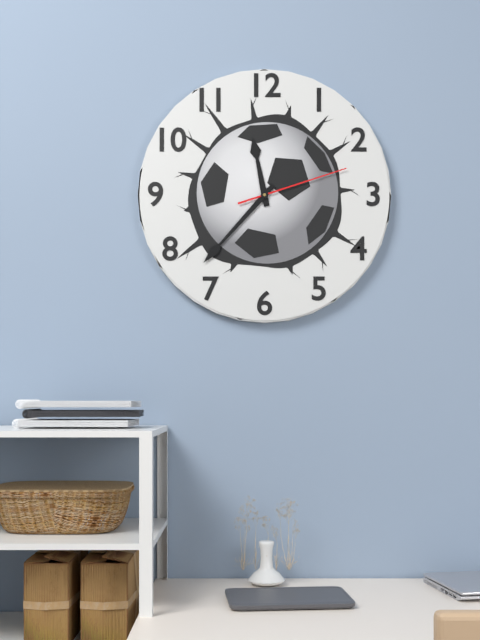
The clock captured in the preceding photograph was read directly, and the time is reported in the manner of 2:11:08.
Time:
11:37:12
